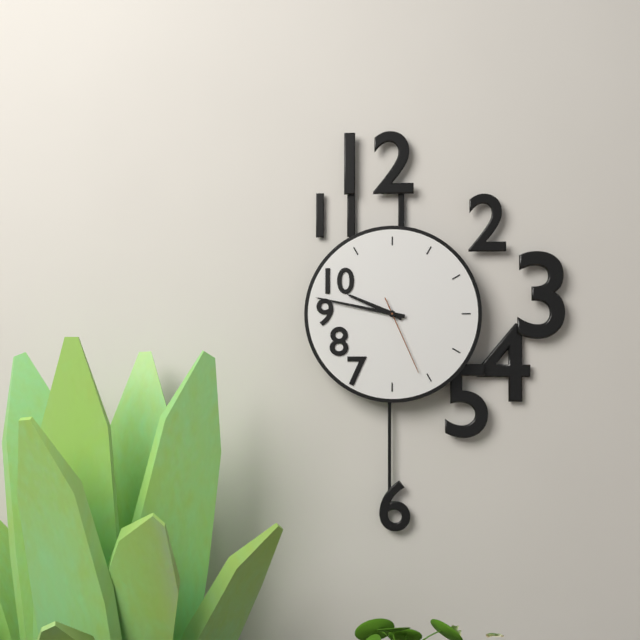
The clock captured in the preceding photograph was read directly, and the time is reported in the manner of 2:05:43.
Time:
9:47:26
